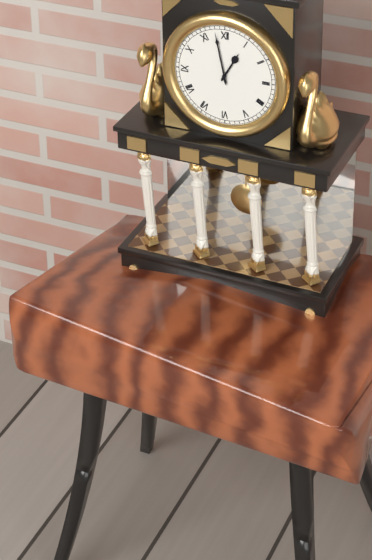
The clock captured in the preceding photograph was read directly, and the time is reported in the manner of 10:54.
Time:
12:58
